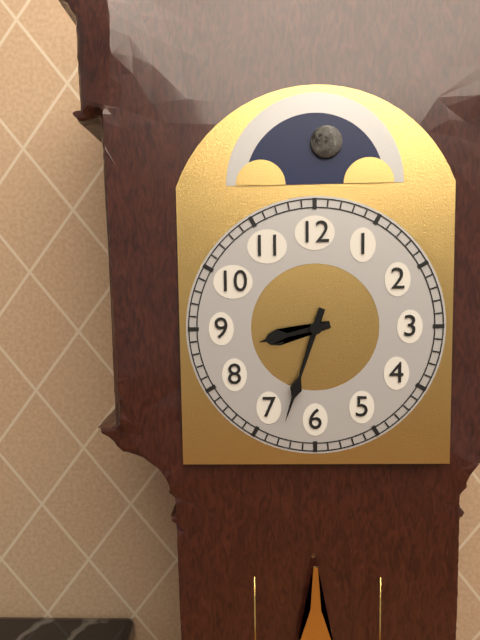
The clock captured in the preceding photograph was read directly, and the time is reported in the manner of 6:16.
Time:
8:33
